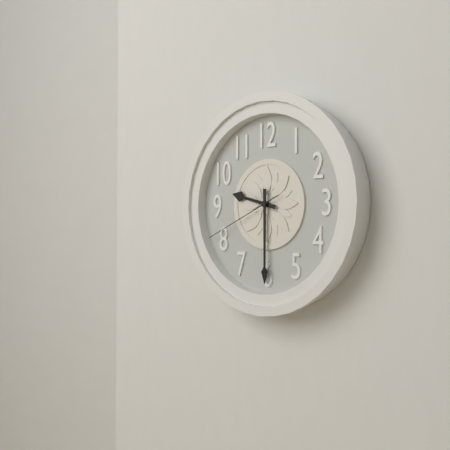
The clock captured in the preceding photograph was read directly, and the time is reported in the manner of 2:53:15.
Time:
9:30:41
